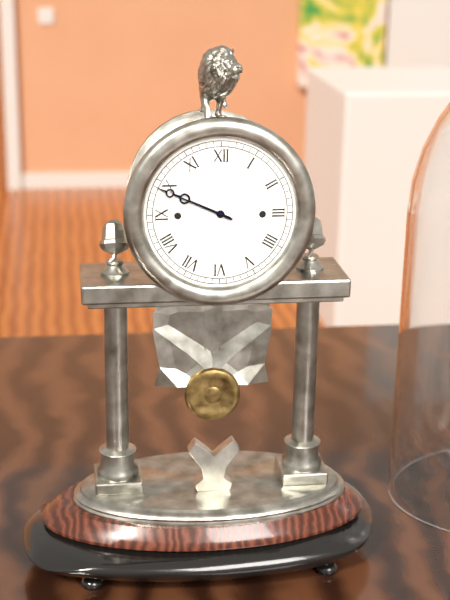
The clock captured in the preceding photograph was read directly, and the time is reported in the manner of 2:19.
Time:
9:49
